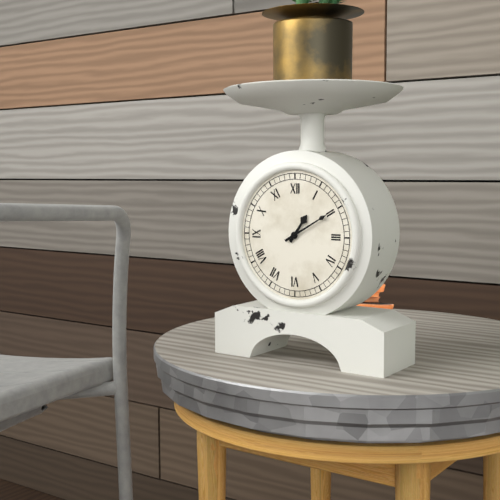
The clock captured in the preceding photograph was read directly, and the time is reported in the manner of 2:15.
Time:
1:10
